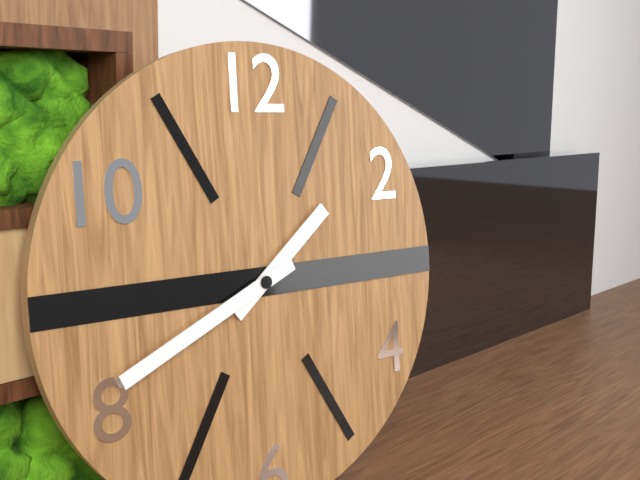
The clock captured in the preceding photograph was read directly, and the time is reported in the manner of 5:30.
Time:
1:41
